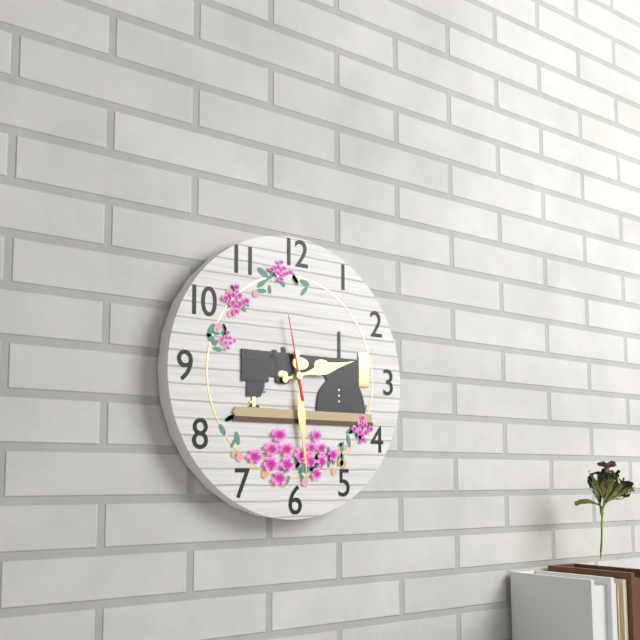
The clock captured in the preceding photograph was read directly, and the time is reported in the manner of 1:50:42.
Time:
2:29:58
